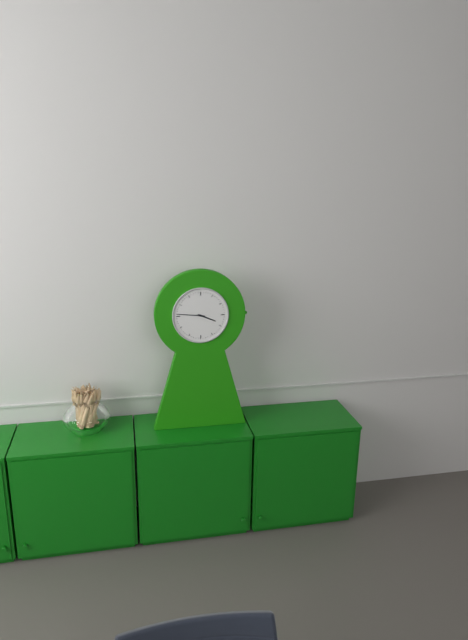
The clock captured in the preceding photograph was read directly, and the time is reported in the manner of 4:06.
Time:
3:46
